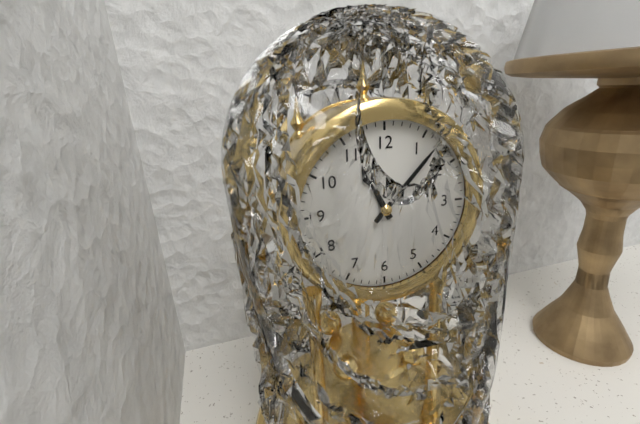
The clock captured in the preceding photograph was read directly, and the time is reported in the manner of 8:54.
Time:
11:07
